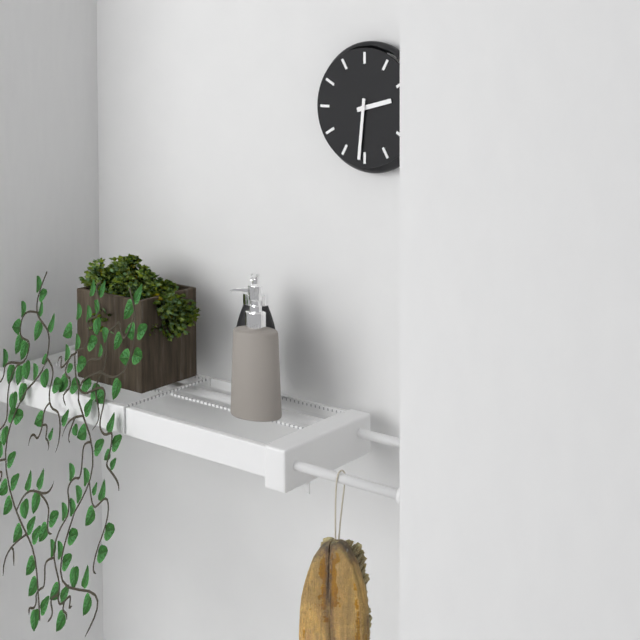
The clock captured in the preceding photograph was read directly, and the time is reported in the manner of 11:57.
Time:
2:31
